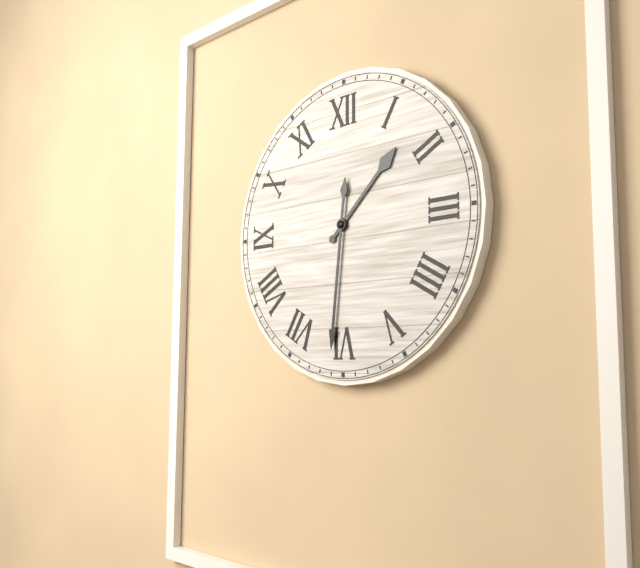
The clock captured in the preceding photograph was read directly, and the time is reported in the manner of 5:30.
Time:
1:31
